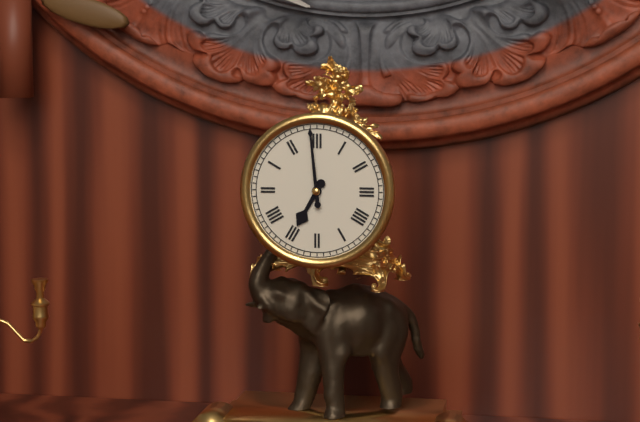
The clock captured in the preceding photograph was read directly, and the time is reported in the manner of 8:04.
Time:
6:59
